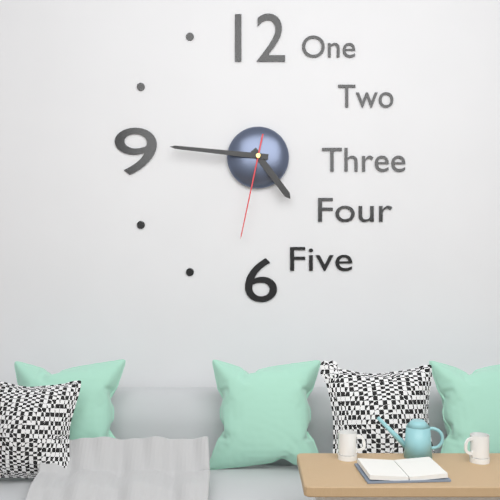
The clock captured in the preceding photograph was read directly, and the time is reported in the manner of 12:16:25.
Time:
4:46:32
